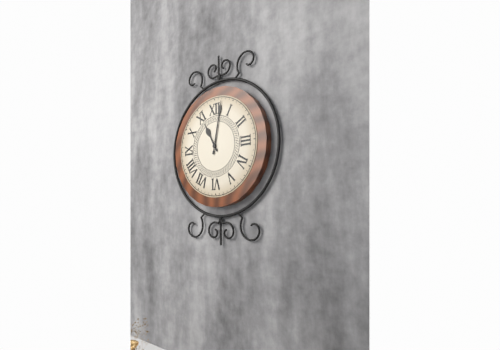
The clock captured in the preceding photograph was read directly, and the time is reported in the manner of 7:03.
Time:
11:02
